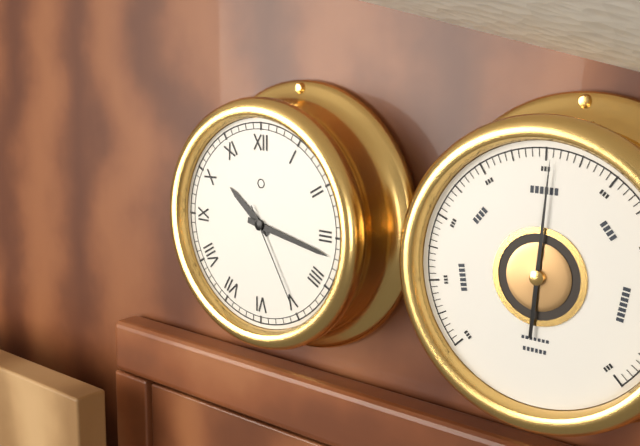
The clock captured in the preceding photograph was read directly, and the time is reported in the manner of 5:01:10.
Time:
10:17:25
